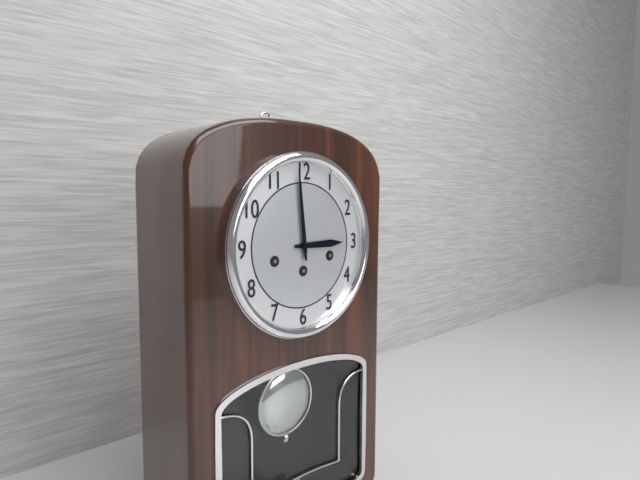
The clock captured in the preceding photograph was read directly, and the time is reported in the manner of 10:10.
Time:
2:59
